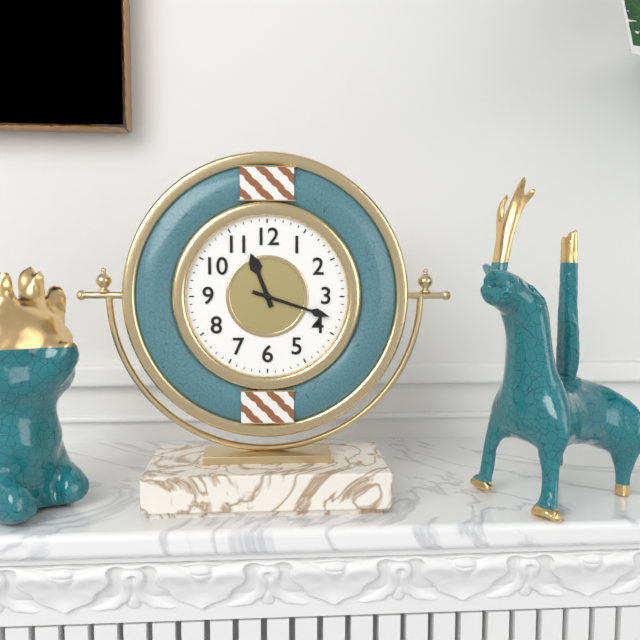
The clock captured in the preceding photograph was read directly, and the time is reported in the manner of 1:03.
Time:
11:18
